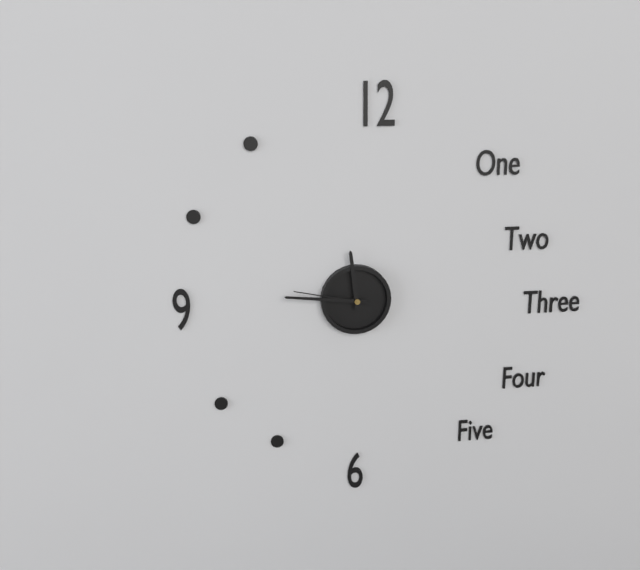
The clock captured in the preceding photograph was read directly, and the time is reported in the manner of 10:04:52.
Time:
11:46:47
